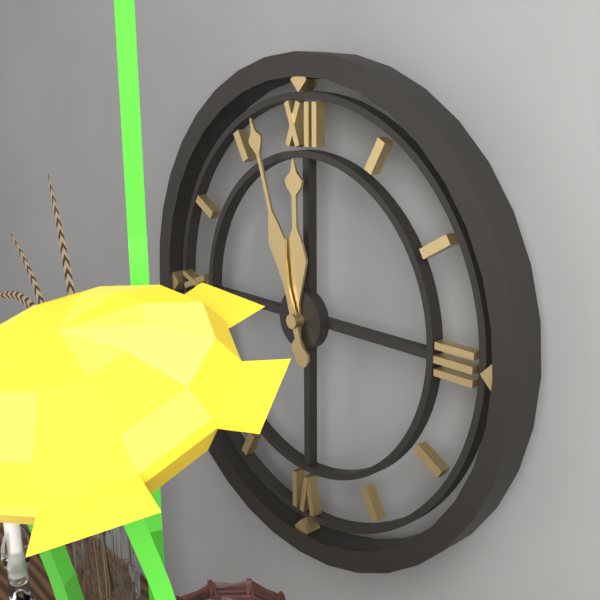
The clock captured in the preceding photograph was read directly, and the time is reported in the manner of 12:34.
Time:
11:57
